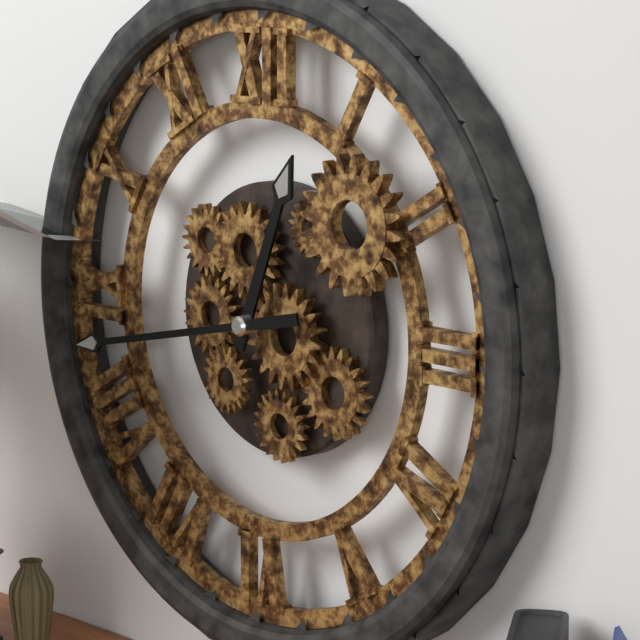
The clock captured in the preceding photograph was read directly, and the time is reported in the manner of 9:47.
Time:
12:43
